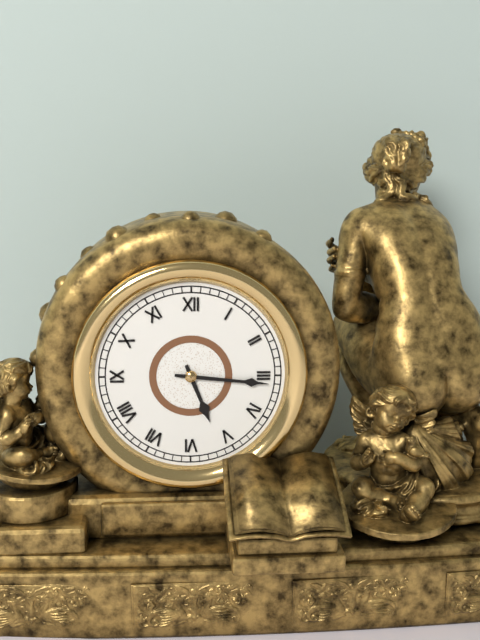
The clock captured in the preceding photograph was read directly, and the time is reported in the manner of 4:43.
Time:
5:16
